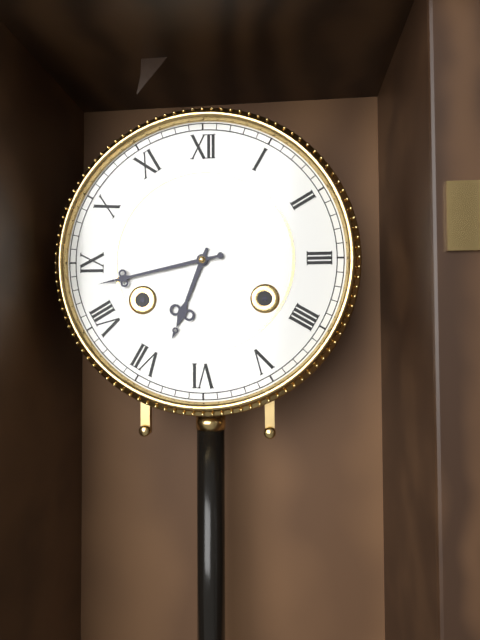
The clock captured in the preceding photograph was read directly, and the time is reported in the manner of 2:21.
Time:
6:43
